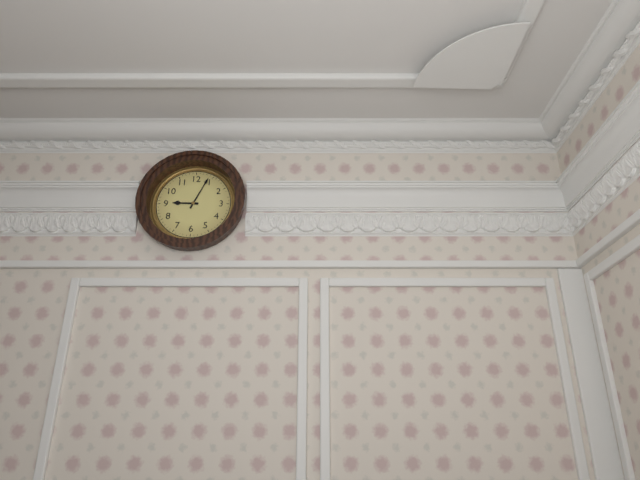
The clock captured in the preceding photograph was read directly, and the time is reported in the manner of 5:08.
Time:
9:04
